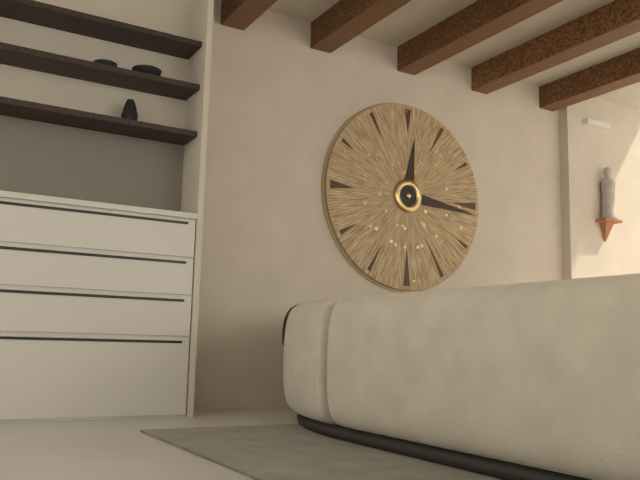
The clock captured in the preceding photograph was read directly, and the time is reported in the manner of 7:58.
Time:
12:16
